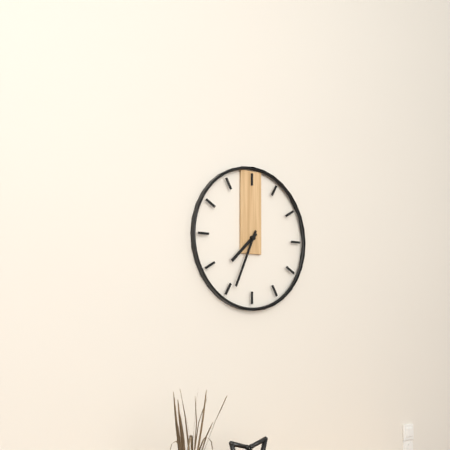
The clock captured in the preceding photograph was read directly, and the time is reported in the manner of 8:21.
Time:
7:34
